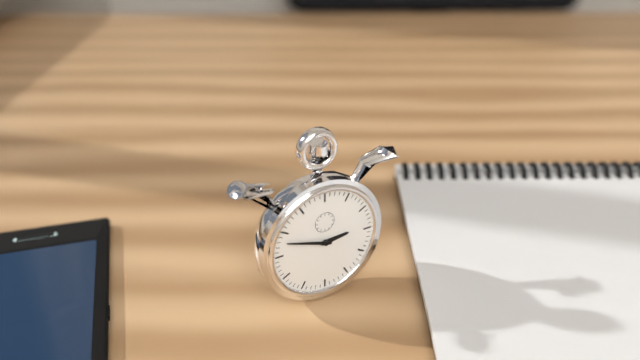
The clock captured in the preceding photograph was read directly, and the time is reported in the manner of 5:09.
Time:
2:48
